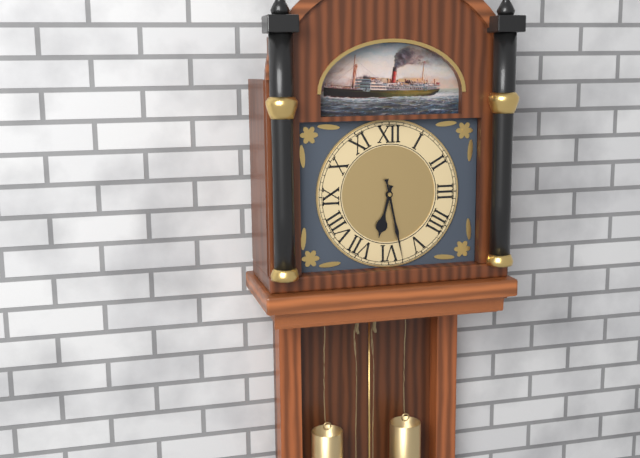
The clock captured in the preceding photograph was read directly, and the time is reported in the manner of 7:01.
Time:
6:28
